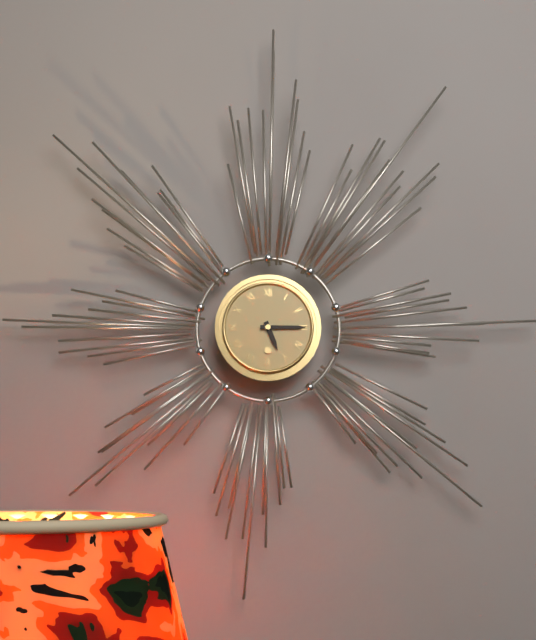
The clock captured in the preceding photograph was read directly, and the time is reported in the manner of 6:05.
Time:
5:15
